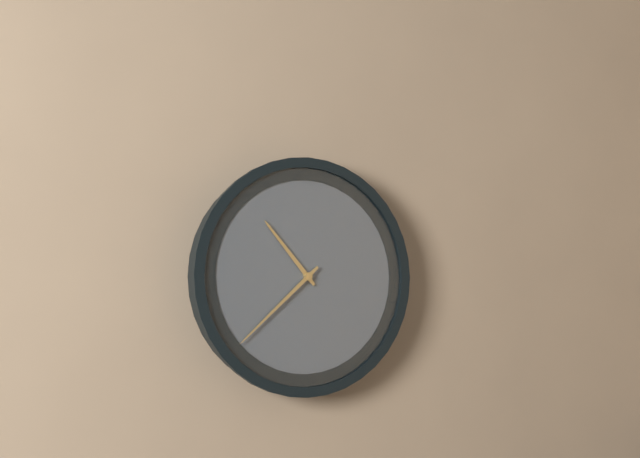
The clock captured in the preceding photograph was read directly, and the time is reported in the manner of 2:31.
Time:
10:38
